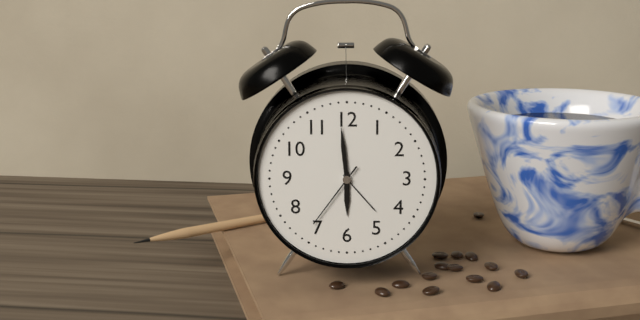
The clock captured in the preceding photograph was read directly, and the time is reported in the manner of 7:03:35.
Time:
5:59:36
